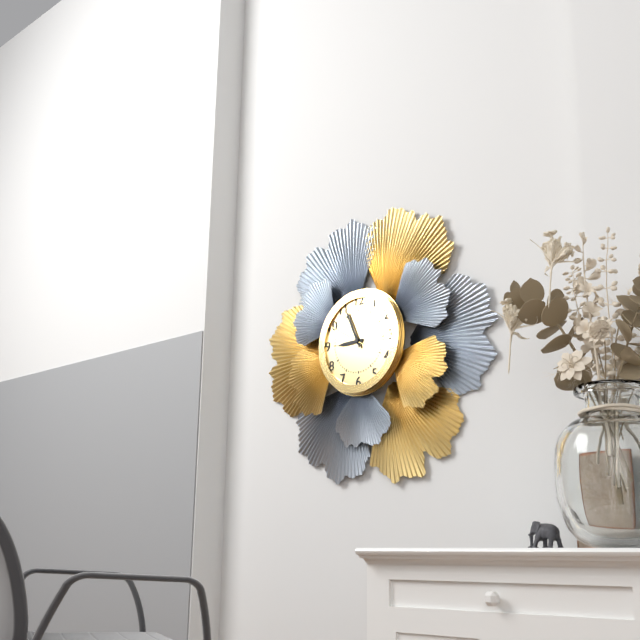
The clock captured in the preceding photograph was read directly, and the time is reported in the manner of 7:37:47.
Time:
8:56:50
